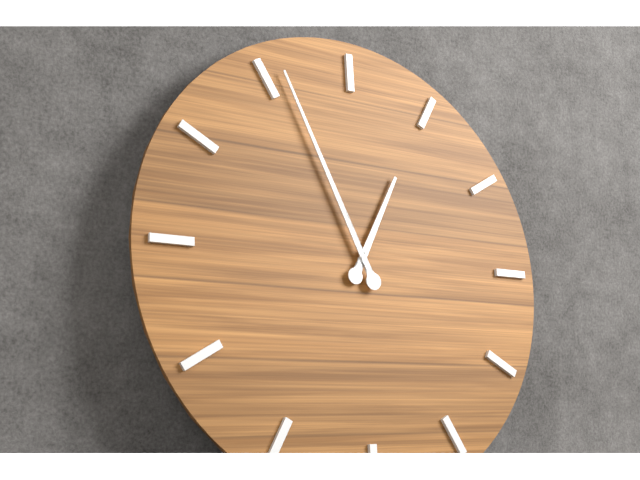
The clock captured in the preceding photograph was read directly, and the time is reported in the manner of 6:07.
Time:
12:56
